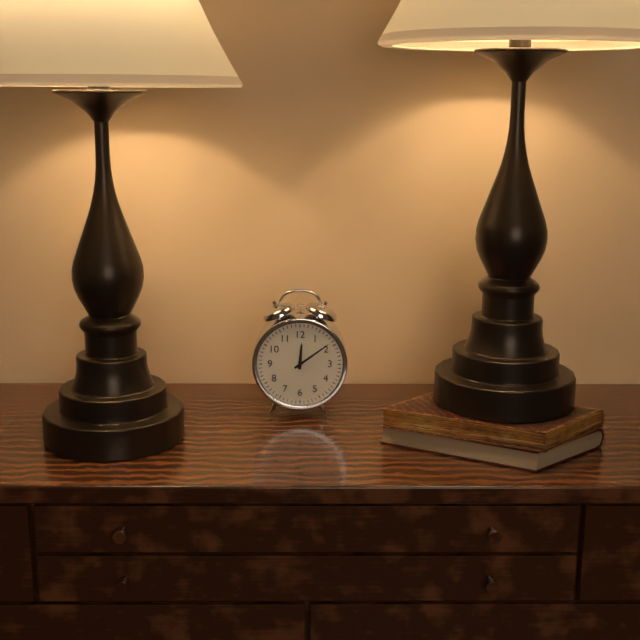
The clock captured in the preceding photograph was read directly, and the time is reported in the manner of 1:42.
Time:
12:09
